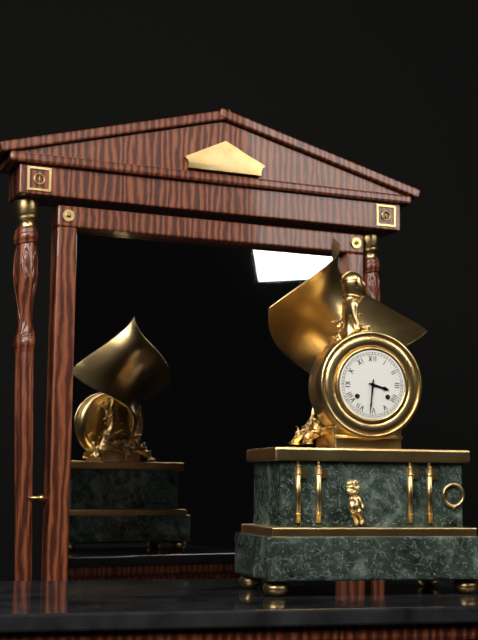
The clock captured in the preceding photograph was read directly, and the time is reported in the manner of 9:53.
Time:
3:31
